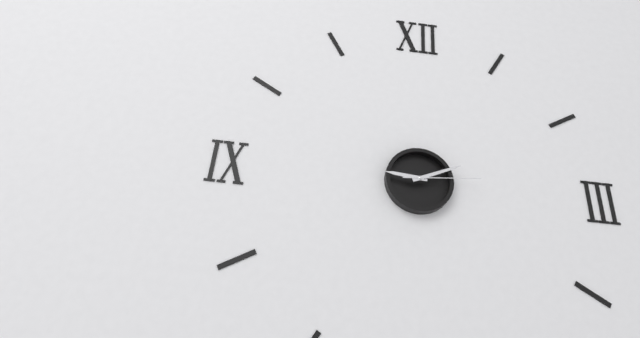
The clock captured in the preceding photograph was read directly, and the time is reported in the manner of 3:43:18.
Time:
9:11:14
